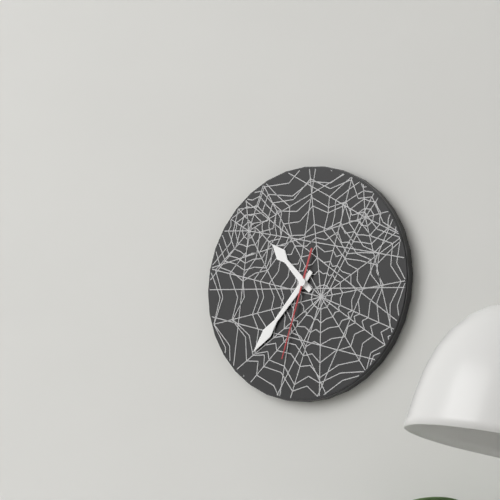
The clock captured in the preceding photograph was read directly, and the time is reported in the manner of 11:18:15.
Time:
10:37:33
